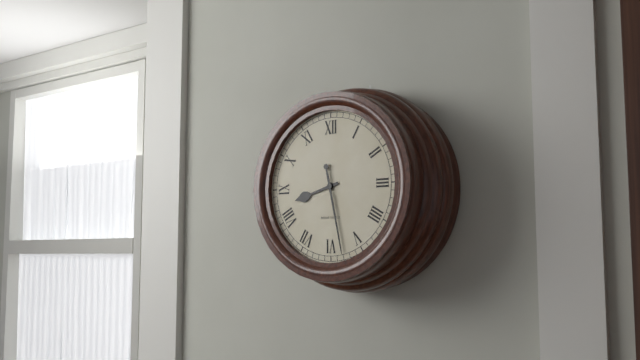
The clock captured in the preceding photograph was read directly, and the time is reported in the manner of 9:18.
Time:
8:28
